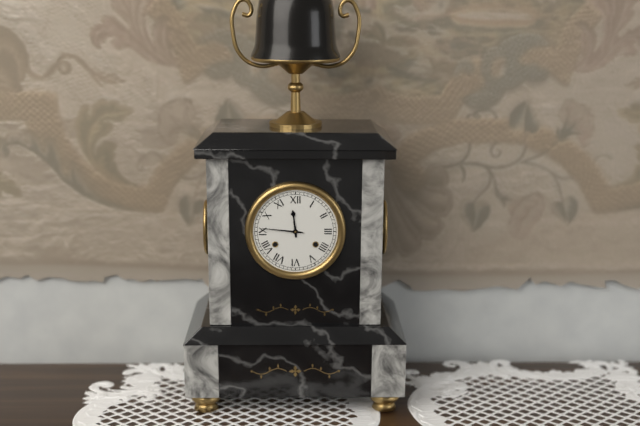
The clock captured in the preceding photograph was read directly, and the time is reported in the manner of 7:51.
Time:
11:46
